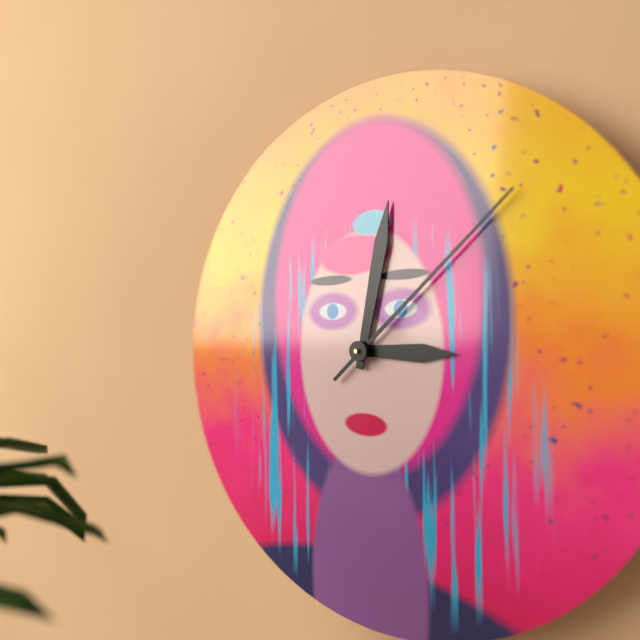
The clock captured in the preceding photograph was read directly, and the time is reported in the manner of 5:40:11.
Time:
3:02:08
